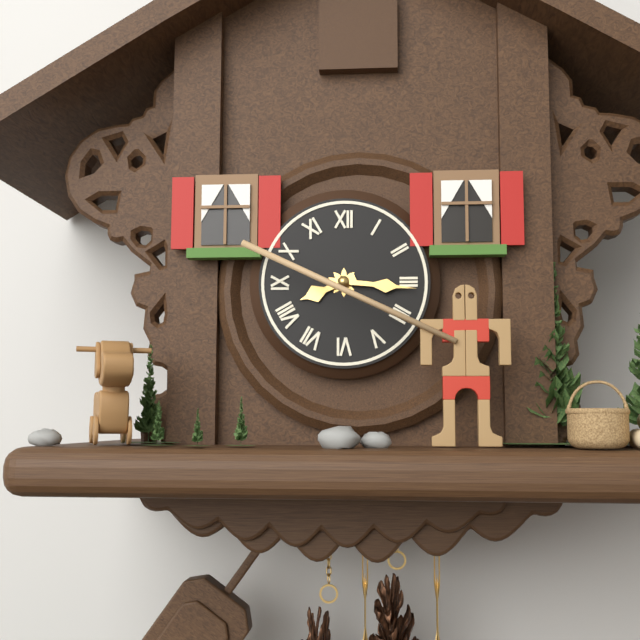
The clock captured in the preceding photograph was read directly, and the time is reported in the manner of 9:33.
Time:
8:16
